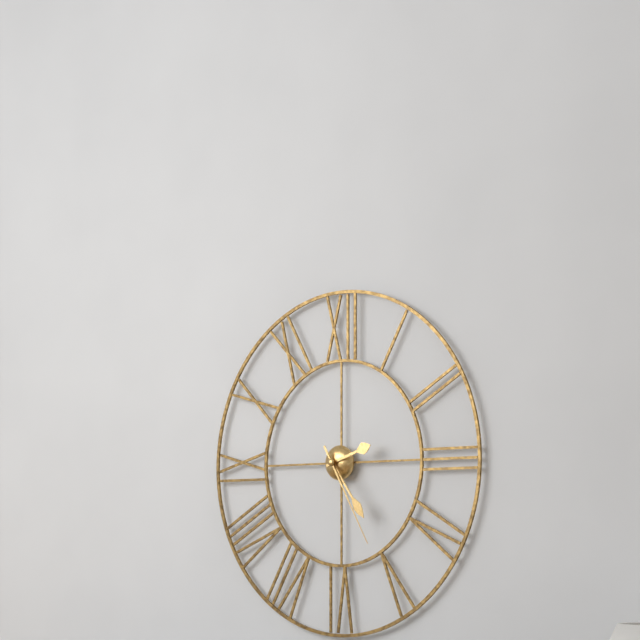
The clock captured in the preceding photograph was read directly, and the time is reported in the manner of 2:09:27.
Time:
2:24:25
